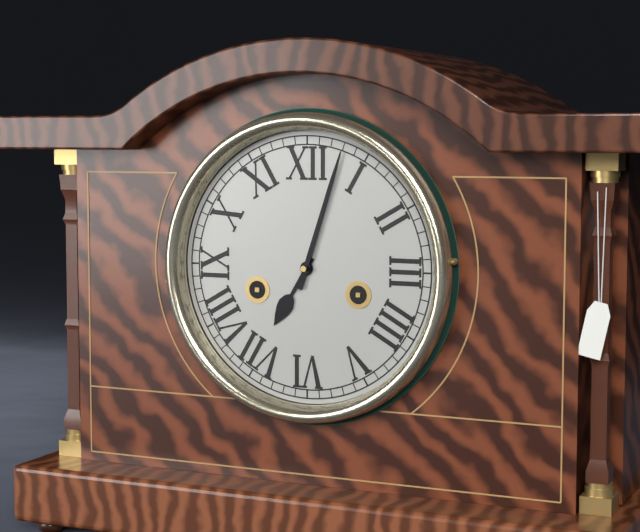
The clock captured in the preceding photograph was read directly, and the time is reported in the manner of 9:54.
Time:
7:03
